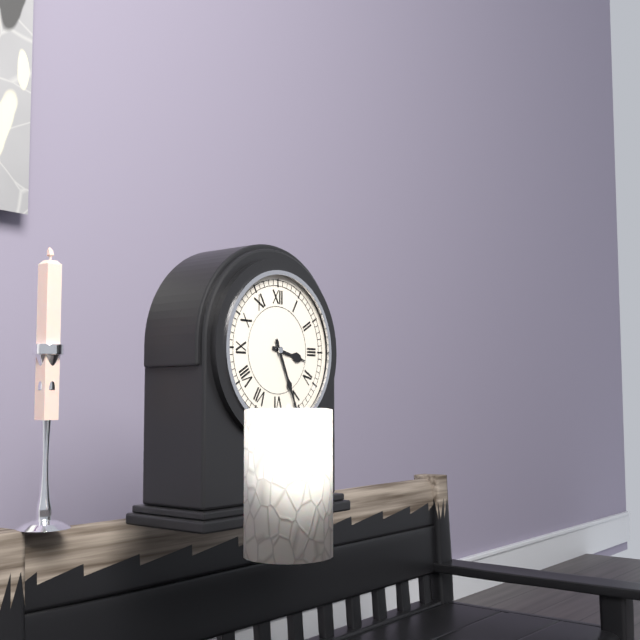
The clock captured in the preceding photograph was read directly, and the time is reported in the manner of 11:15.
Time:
3:26
